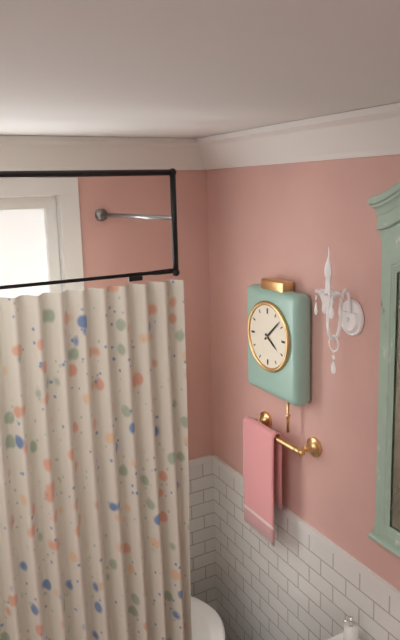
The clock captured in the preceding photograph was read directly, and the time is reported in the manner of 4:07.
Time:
4:08
